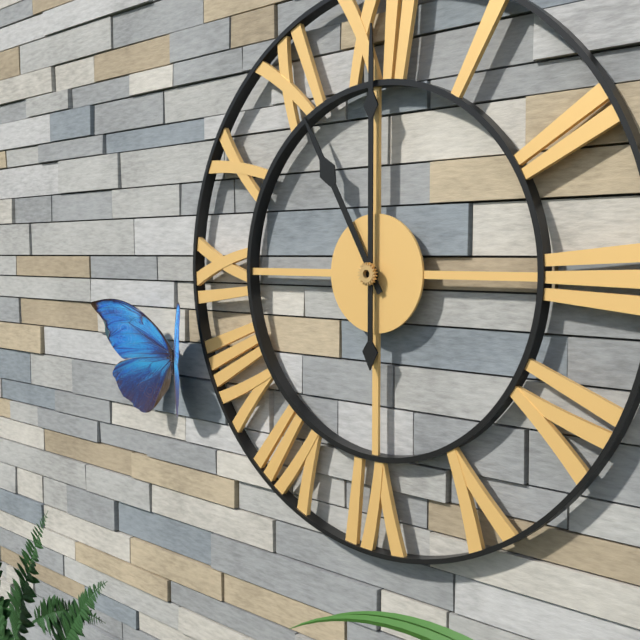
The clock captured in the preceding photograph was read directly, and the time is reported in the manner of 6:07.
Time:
11:00
